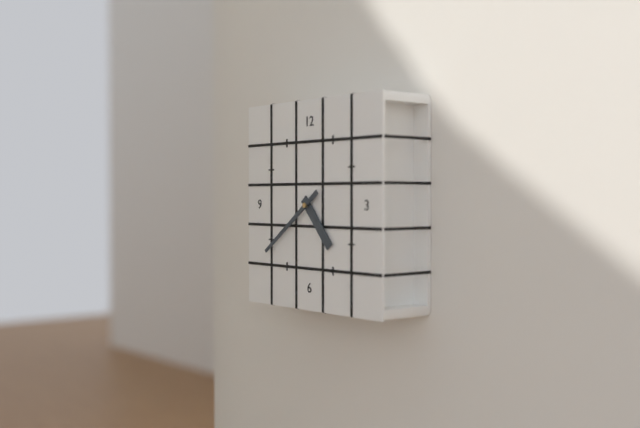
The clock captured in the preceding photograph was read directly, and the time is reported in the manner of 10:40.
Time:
4:39
